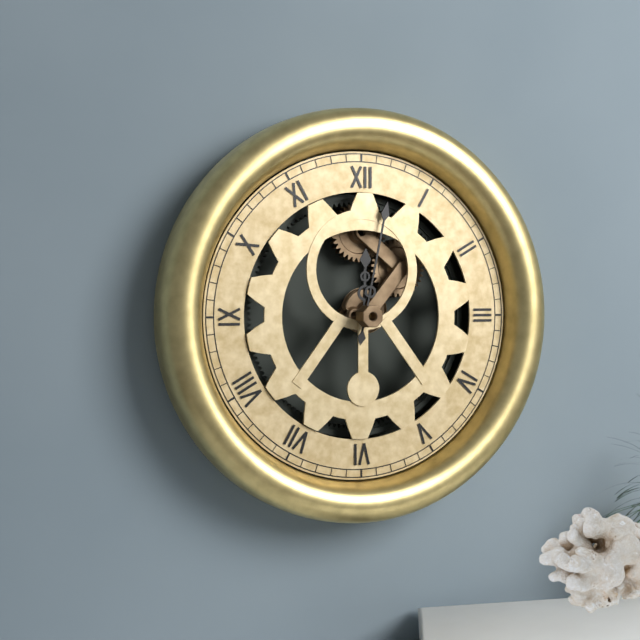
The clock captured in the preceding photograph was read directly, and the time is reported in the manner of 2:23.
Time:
12:02
